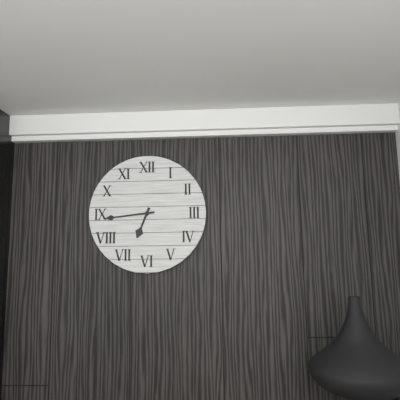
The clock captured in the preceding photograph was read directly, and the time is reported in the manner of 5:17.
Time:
6:44
